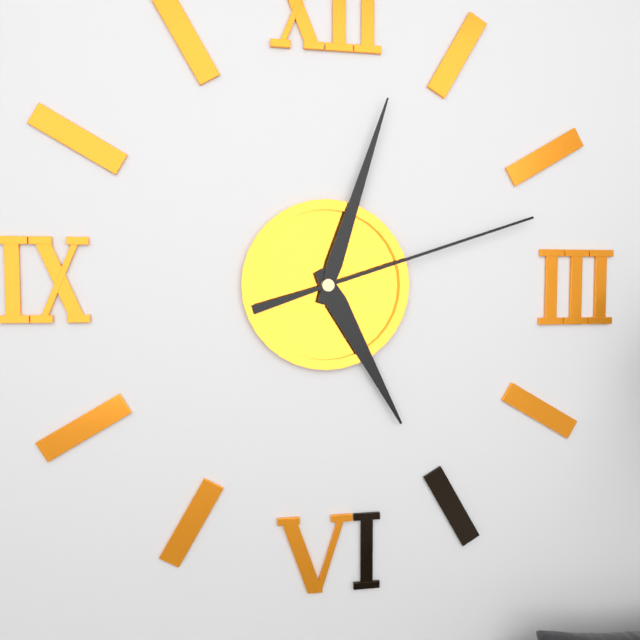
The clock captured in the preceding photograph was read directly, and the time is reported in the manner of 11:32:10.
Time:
5:03:12
